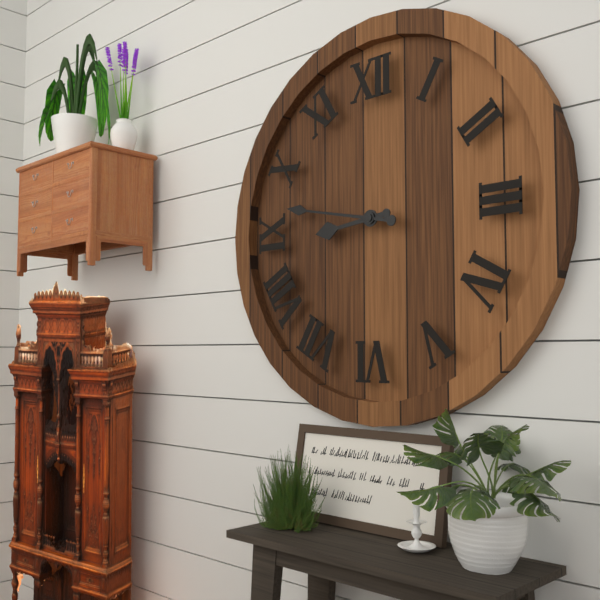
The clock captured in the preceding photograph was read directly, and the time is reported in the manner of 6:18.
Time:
8:47
